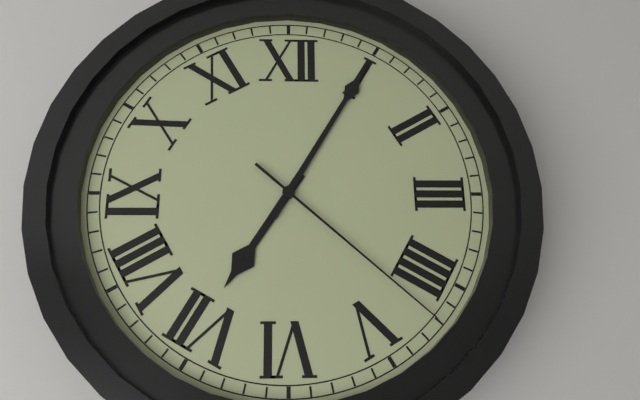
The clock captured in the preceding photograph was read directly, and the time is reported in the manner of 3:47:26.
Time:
7:05:22
